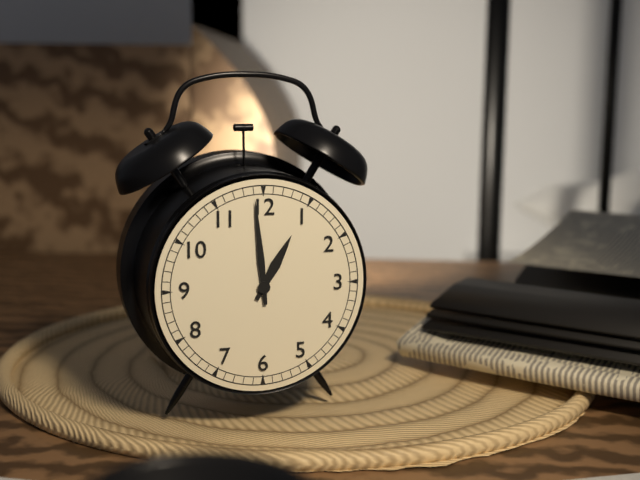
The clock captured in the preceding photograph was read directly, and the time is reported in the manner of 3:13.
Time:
12:59
